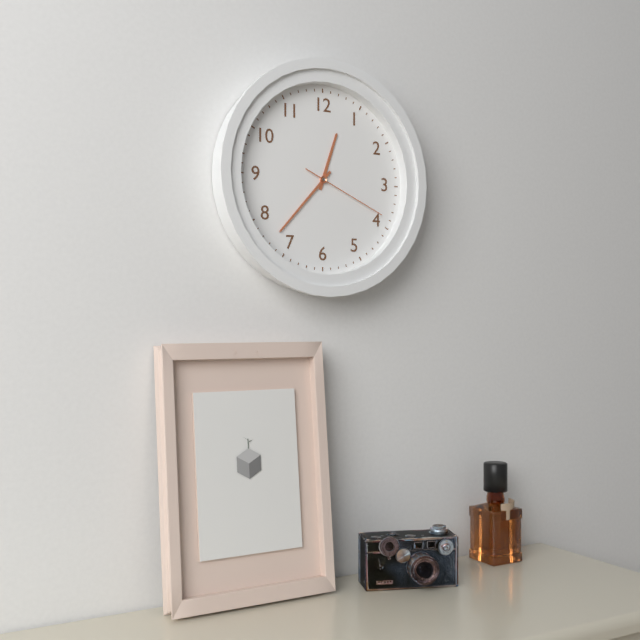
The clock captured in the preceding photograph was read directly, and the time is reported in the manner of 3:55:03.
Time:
12:37:19
